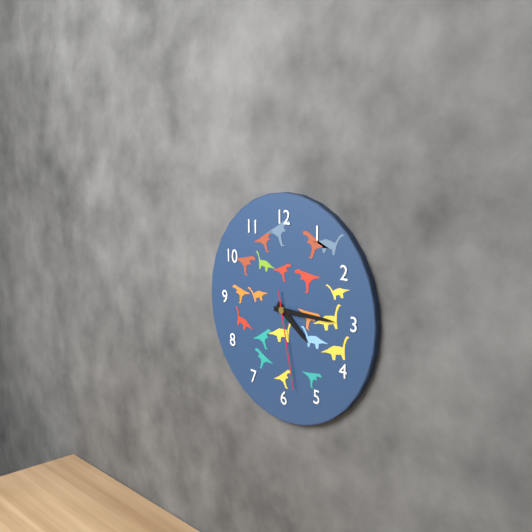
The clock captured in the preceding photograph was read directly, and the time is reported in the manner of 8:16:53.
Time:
4:15:28
